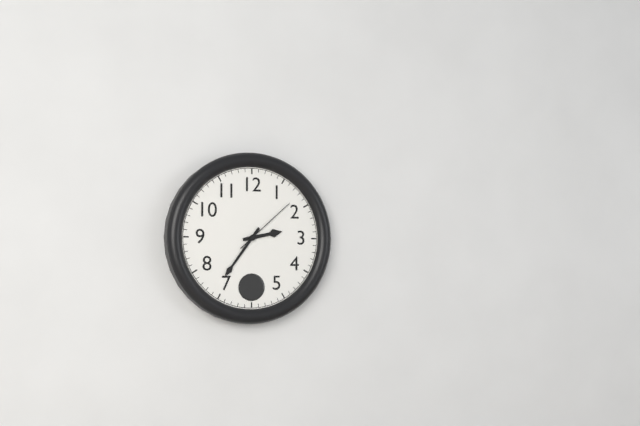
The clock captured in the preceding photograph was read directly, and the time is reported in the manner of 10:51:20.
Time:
2:36:08
